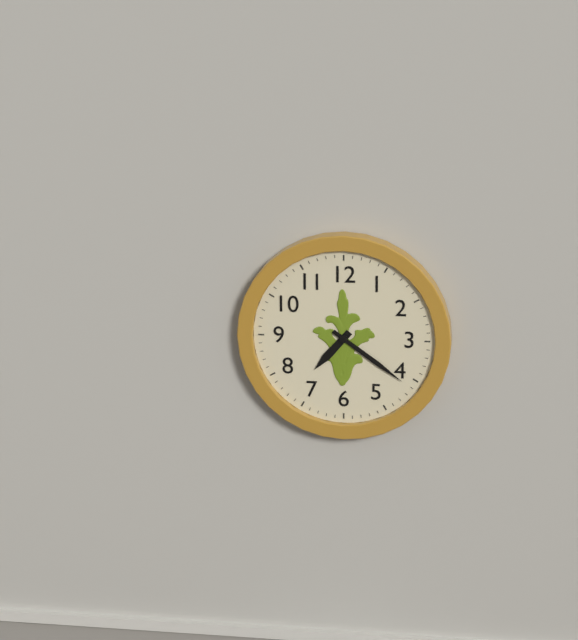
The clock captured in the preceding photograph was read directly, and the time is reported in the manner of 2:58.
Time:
7:21
